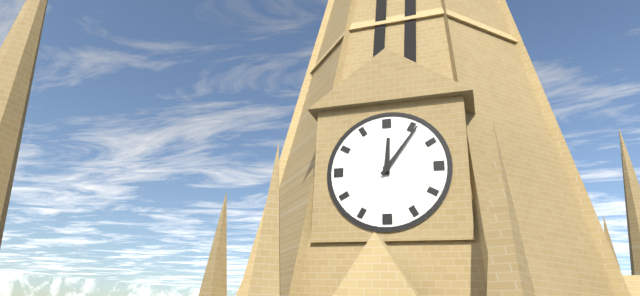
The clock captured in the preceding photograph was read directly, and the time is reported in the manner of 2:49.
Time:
12:06
